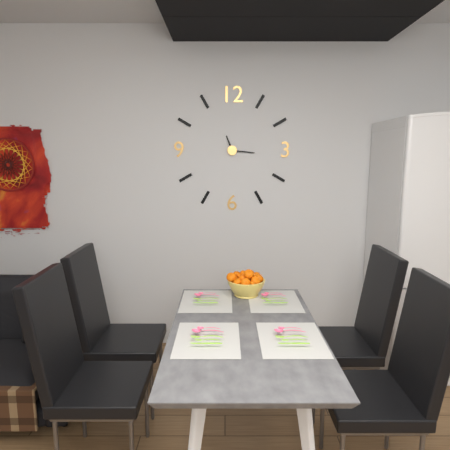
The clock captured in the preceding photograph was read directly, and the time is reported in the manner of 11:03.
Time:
11:16
